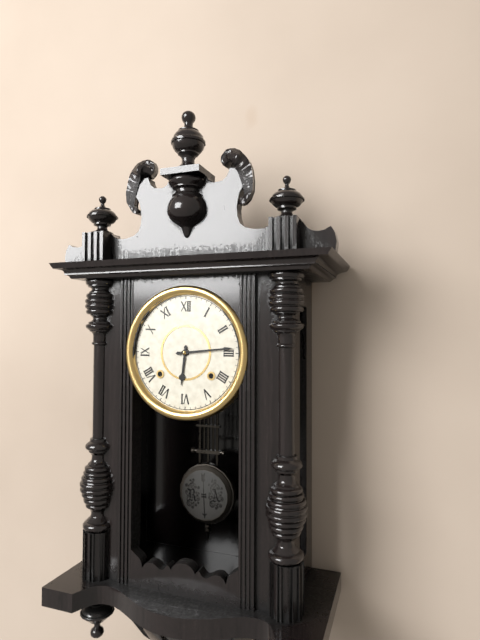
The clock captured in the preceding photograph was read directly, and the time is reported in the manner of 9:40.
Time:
6:14
